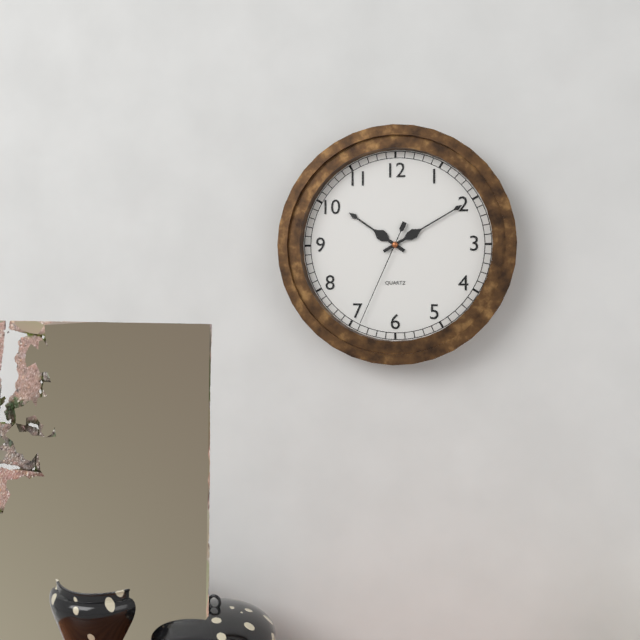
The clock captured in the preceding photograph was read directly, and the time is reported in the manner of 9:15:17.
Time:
10:10:34
